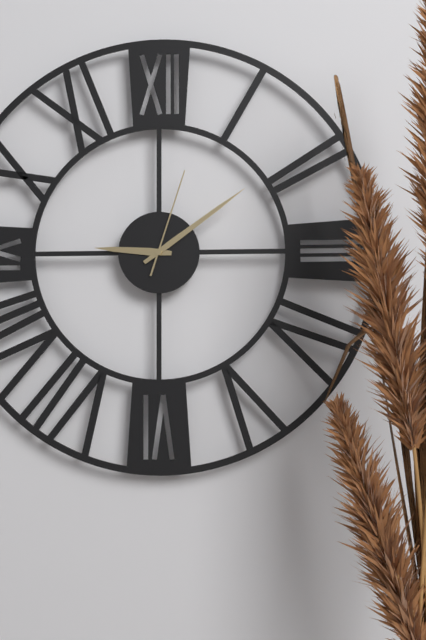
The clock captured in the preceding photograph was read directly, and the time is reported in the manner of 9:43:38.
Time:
9:09:03
